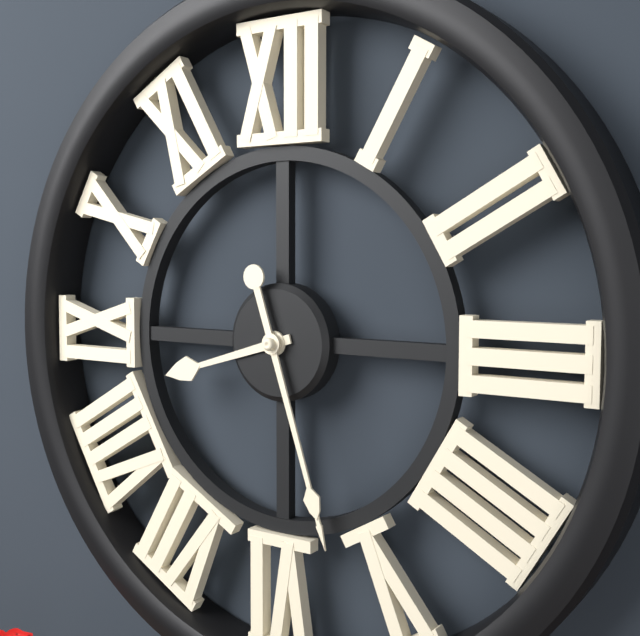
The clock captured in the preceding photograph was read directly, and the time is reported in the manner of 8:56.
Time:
8:27
